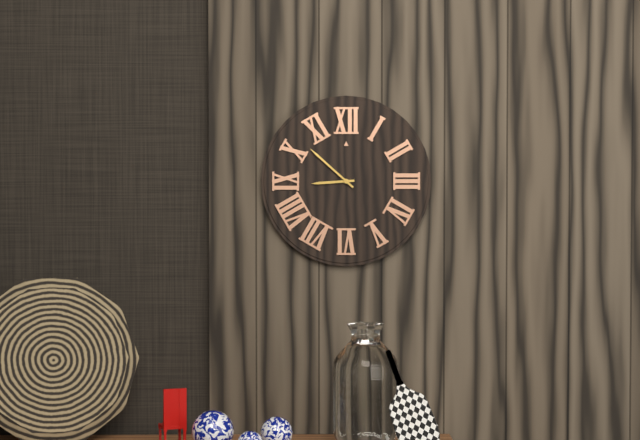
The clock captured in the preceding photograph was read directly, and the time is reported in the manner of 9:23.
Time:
8:52
